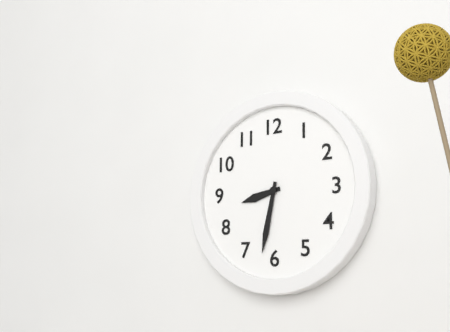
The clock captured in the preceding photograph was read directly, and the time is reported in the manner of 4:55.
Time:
8:32
